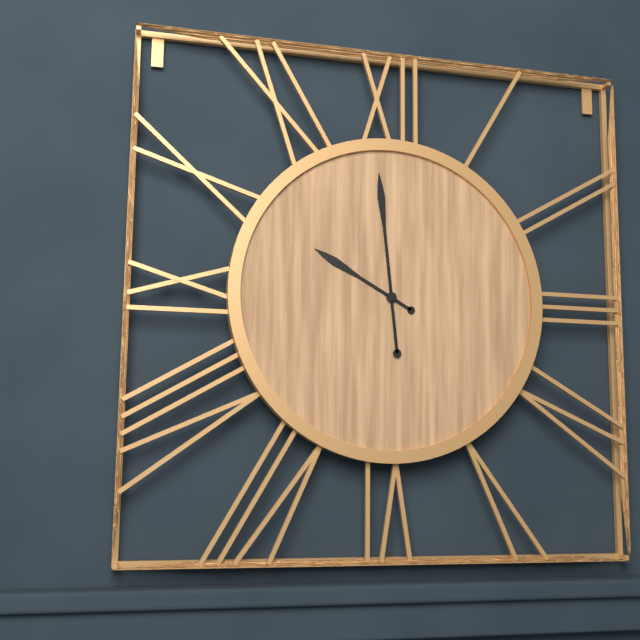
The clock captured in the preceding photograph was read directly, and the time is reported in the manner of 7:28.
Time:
9:59
